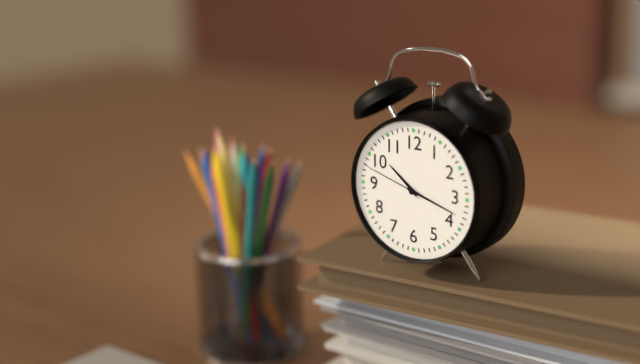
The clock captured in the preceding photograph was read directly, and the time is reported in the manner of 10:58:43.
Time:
10:18:48
